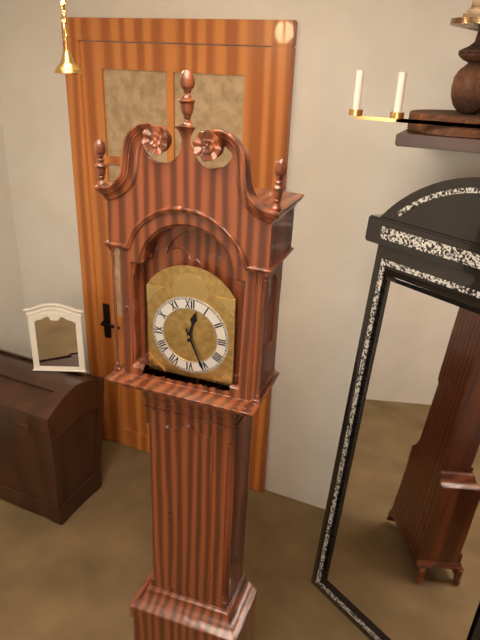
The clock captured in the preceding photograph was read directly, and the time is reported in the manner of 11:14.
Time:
12:26
